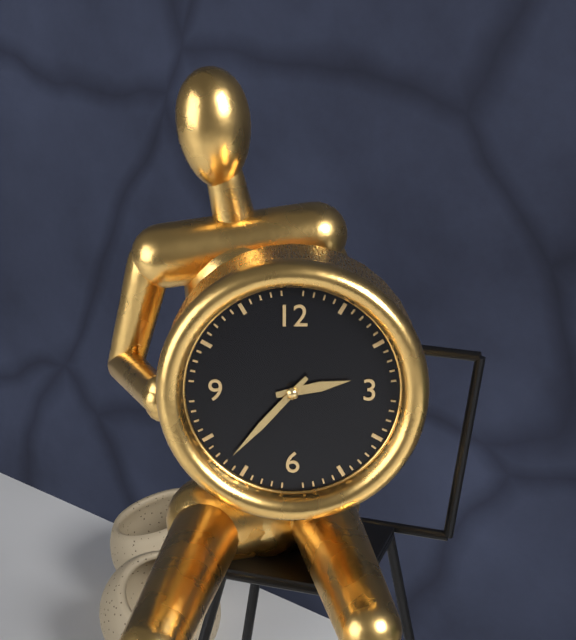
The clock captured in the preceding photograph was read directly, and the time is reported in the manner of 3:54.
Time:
2:37
